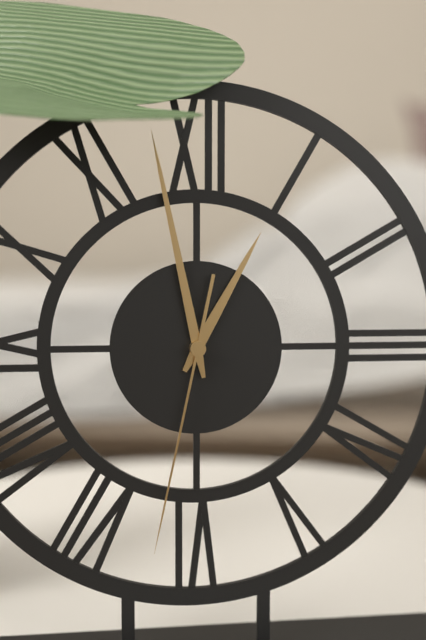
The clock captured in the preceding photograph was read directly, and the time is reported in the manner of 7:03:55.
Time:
12:58:32
